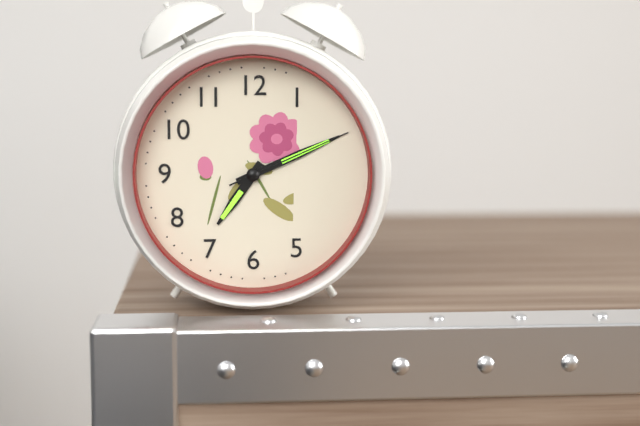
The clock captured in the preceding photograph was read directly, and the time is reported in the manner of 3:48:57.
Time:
7:11:11
